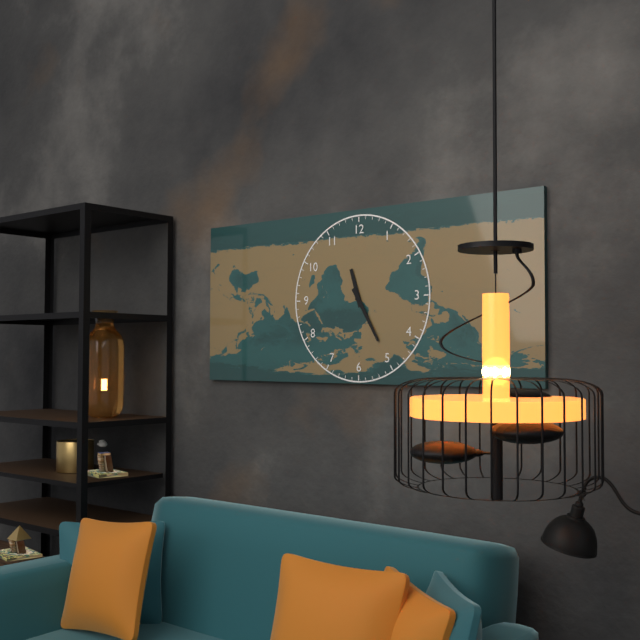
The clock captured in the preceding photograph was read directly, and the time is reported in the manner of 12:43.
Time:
11:25
